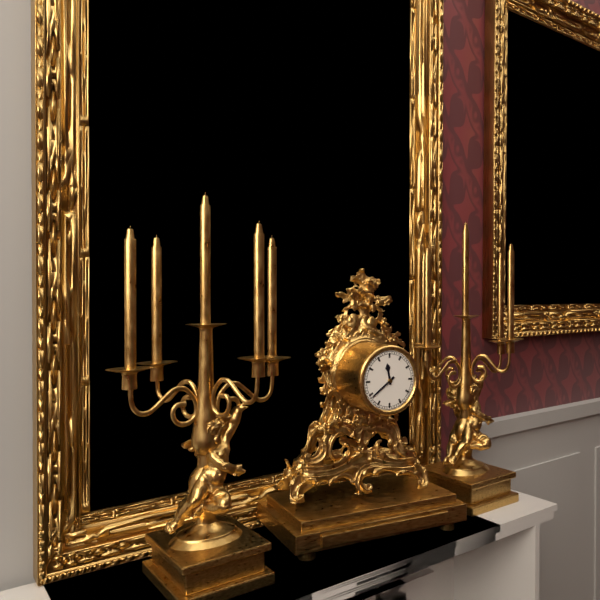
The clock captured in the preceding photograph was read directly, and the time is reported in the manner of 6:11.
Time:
11:39
